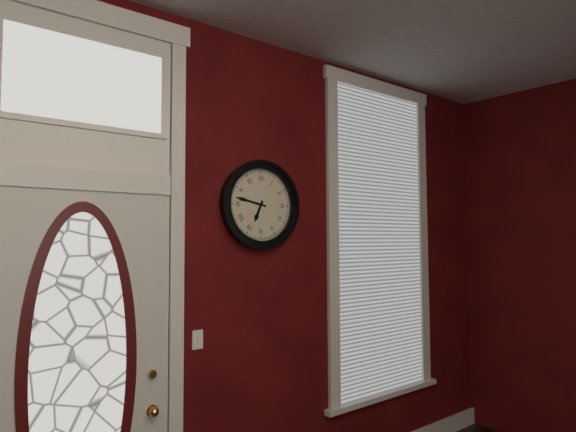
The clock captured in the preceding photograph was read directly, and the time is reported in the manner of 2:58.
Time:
6:47
